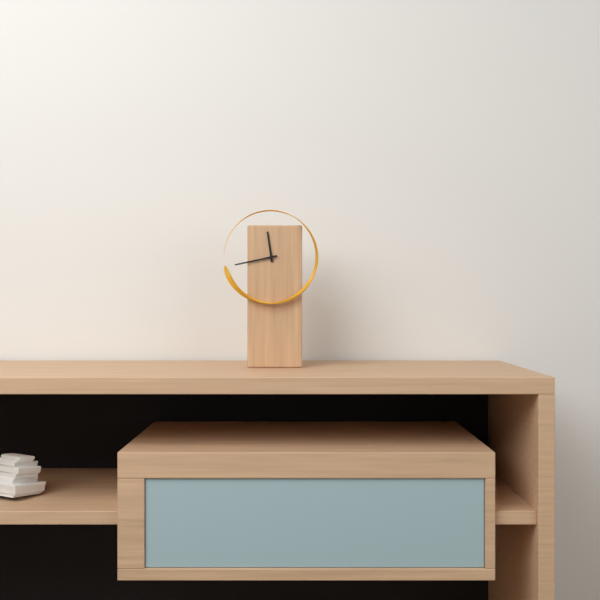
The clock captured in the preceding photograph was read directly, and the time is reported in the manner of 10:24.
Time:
11:43
